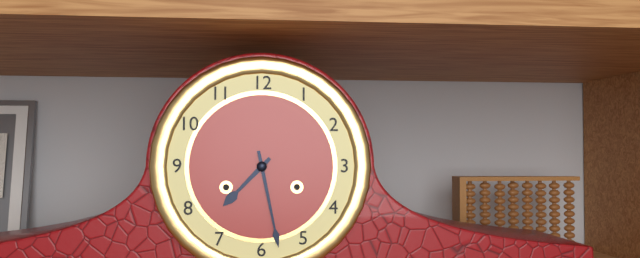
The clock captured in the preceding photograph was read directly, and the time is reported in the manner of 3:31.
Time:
7:28
